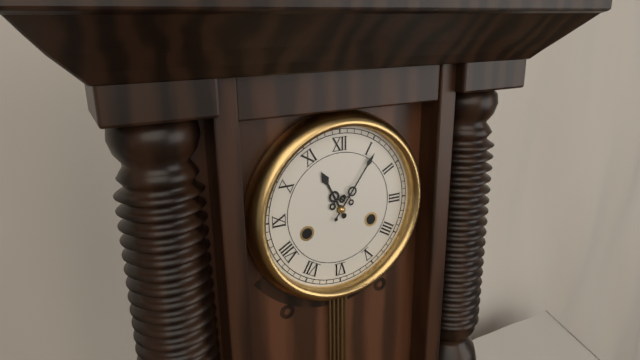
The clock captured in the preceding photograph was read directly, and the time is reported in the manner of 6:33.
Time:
11:06
